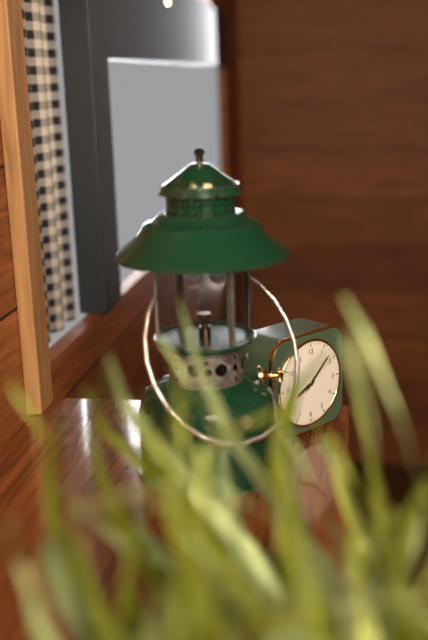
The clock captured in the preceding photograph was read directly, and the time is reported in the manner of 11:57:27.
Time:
8:08:08
